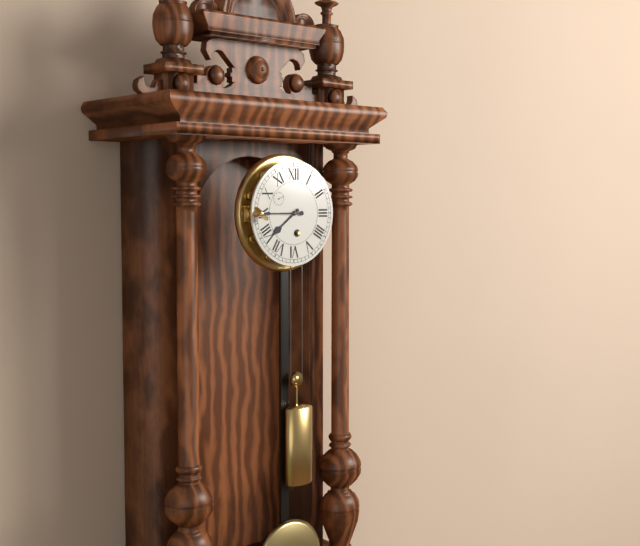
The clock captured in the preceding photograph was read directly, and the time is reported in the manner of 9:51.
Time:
7:45
